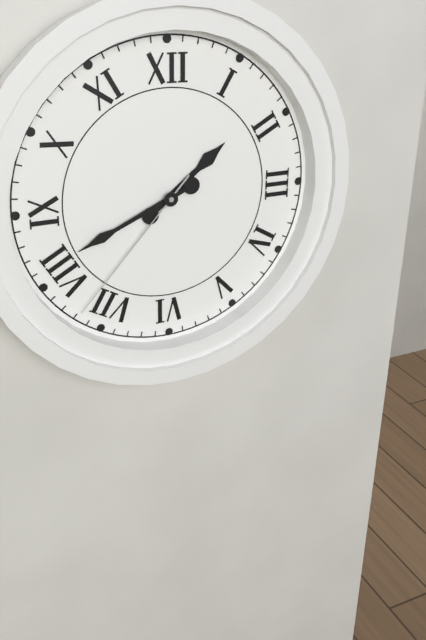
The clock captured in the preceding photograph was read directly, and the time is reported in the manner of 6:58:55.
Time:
1:41:37
